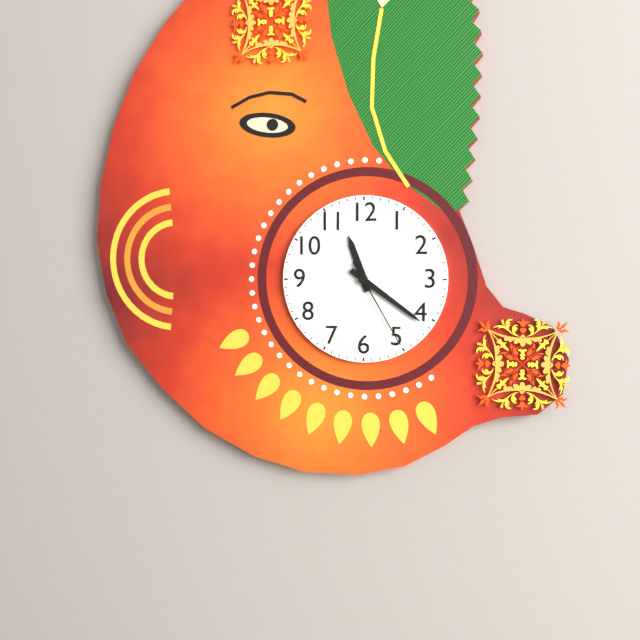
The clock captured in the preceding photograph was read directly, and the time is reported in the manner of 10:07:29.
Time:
11:21:25
